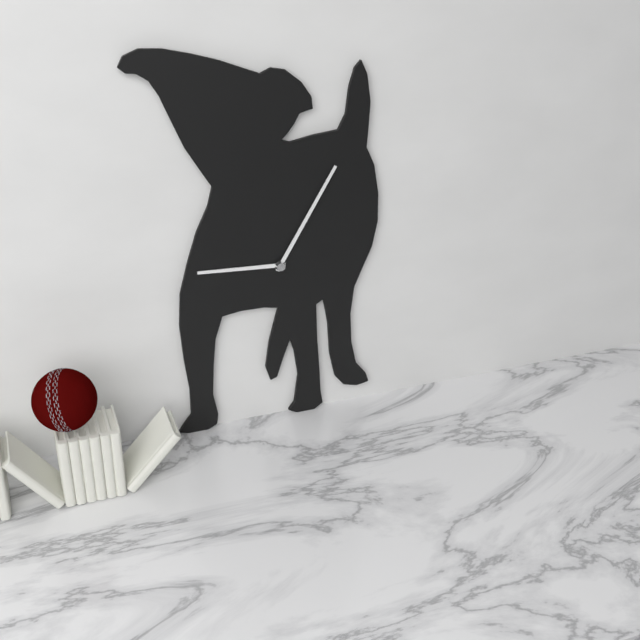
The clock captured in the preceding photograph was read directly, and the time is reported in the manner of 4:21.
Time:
9:05
